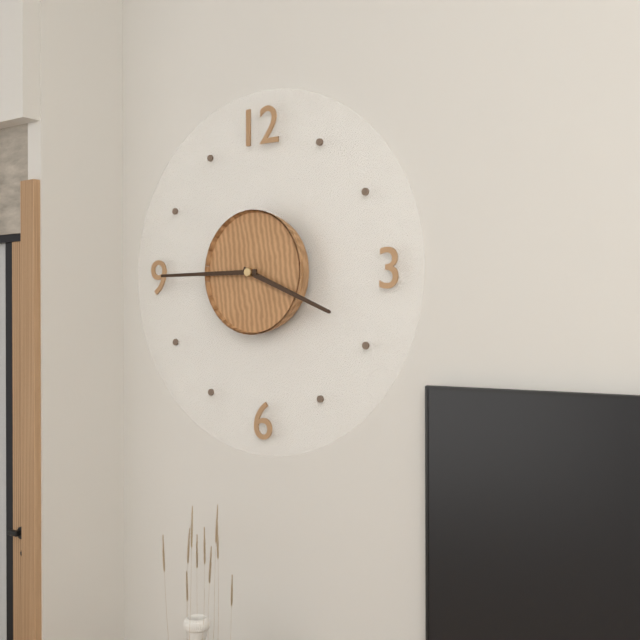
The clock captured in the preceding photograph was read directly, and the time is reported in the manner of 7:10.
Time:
3:45
